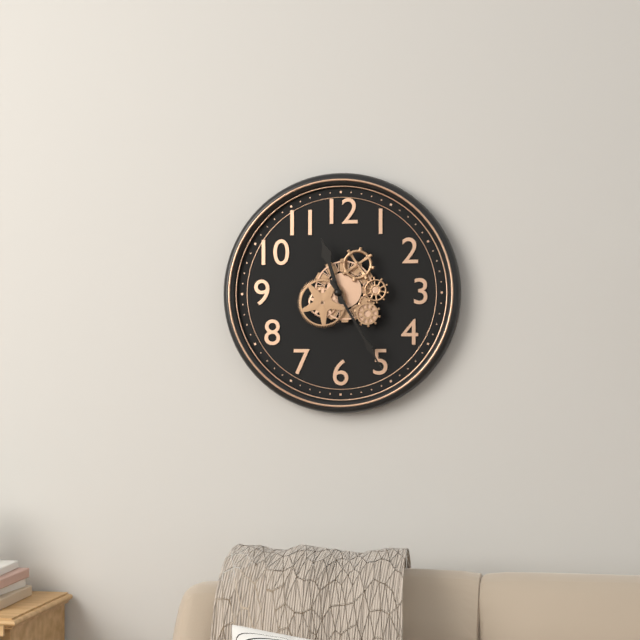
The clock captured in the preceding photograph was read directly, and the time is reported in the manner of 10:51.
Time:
11:25
